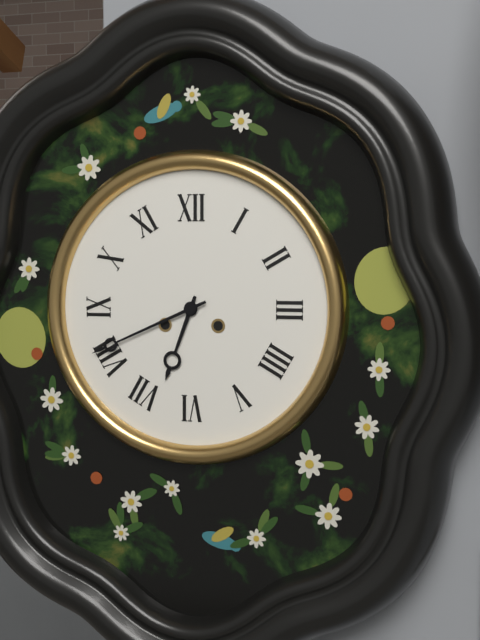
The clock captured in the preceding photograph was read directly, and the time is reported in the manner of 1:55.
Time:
6:41
